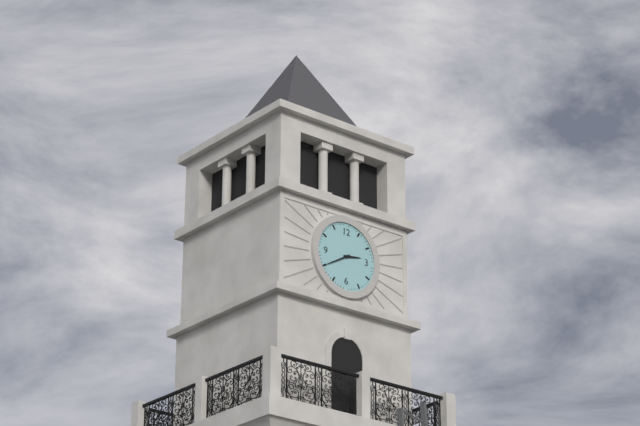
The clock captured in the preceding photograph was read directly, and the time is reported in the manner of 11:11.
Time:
2:40
